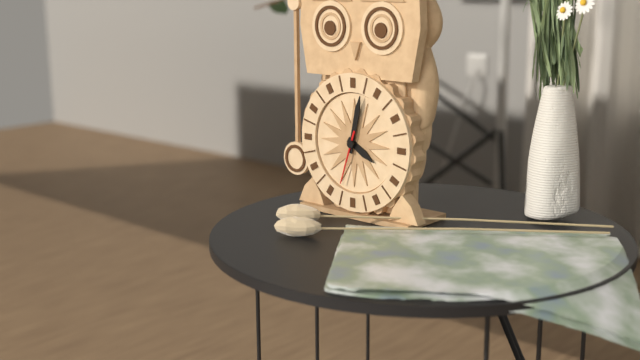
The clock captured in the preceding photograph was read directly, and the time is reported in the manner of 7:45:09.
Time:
4:02:33
